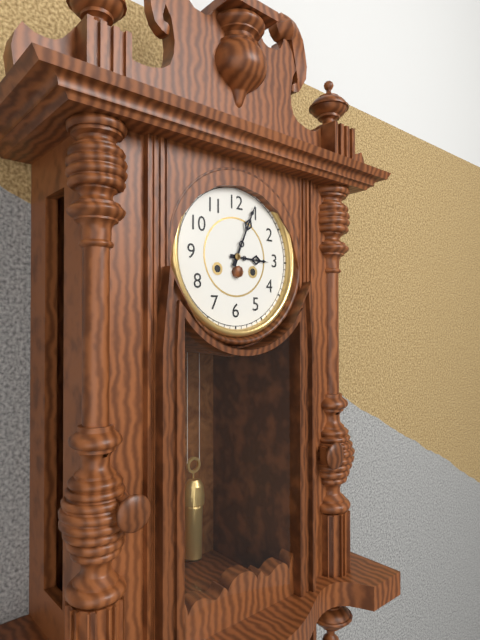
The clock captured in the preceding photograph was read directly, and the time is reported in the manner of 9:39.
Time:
3:04
